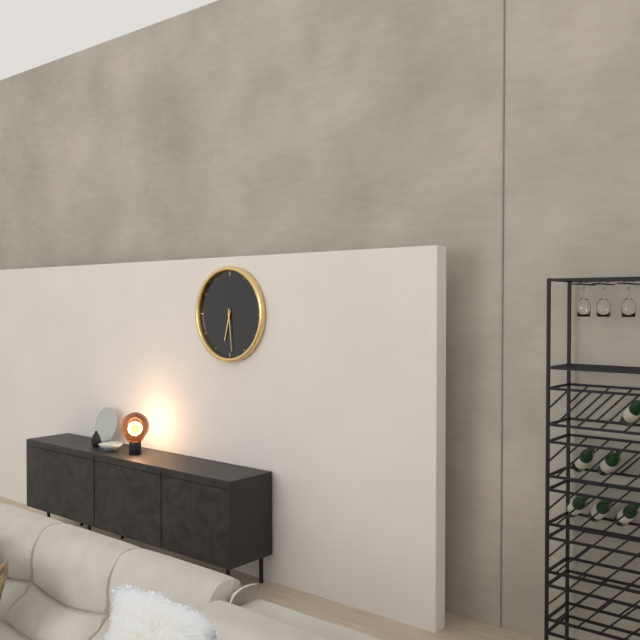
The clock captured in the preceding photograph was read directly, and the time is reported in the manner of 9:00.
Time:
6:29
